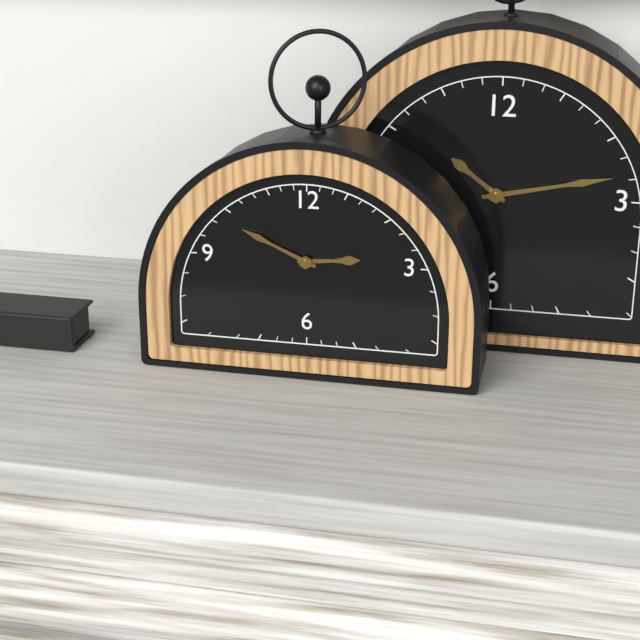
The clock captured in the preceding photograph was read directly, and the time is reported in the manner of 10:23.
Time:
2:49
